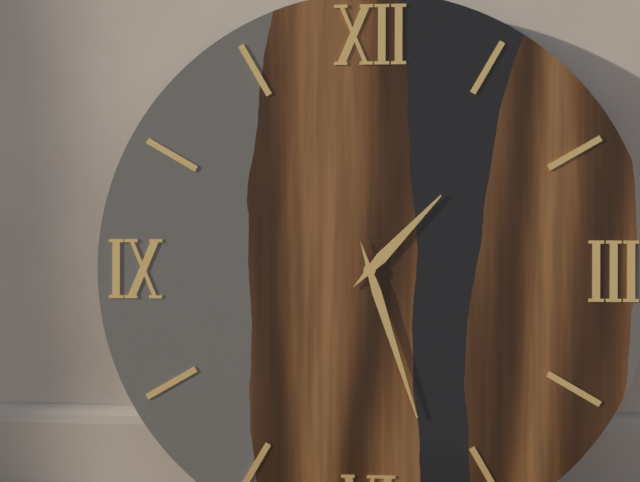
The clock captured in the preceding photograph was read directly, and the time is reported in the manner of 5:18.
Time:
1:27
